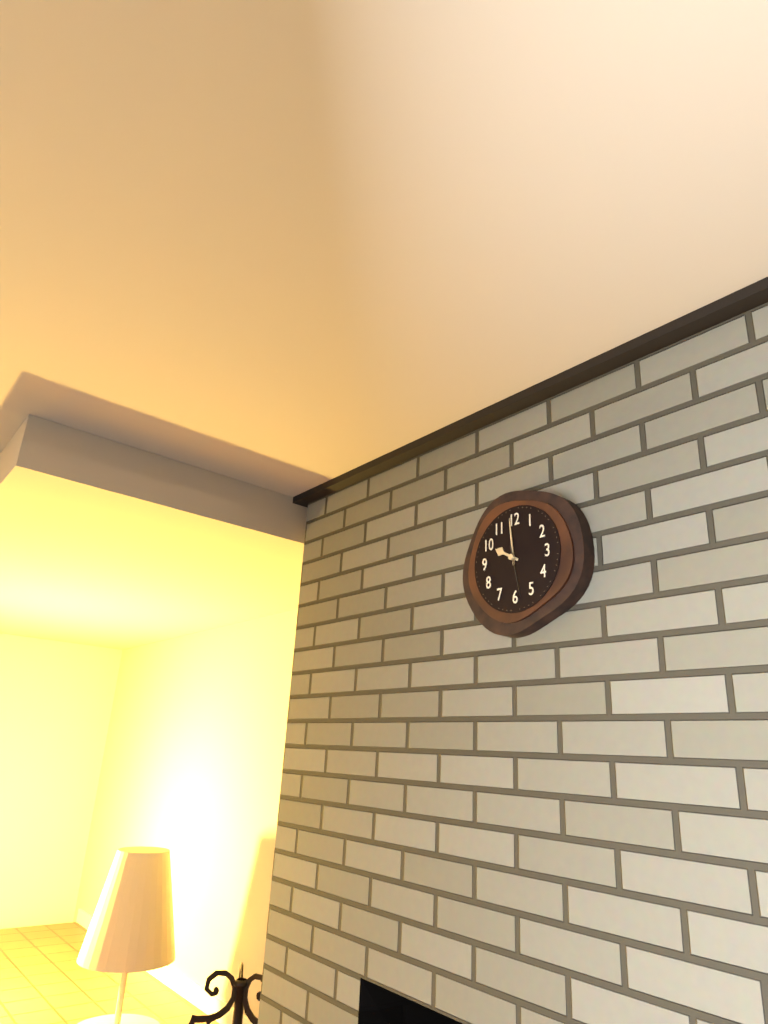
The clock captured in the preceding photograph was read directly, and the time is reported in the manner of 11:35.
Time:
9:59
